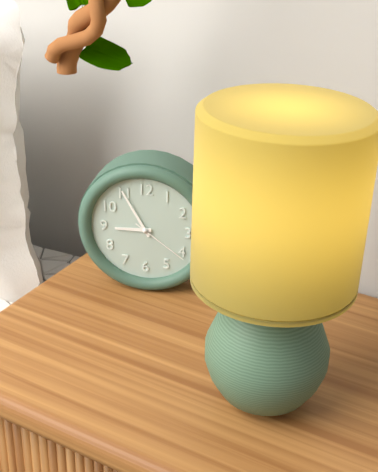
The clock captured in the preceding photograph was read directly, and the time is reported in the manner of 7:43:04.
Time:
8:55:21
